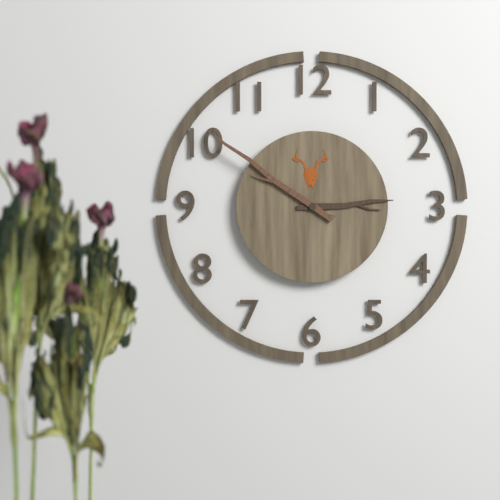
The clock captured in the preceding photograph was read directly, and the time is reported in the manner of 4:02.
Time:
2:51
